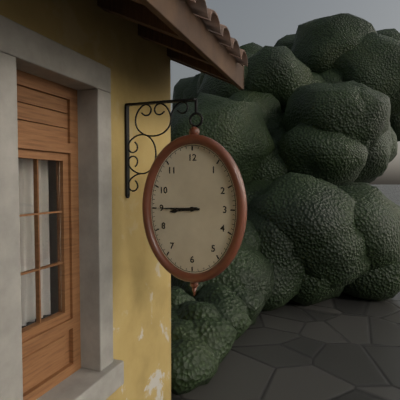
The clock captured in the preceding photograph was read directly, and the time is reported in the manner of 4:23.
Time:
8:45
